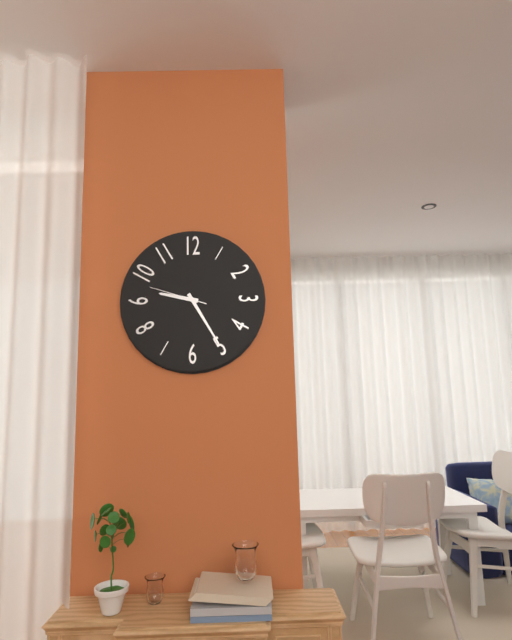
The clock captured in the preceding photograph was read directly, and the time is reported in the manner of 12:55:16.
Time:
9:25:48
